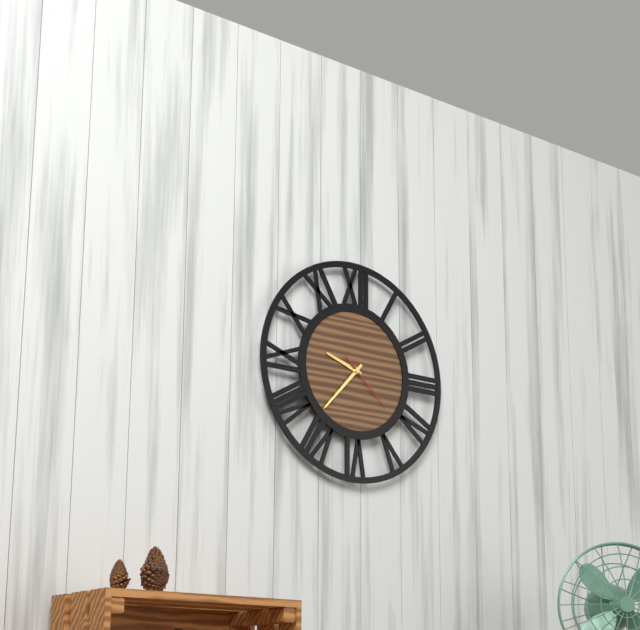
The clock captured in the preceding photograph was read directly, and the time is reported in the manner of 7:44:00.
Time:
9:37:22
